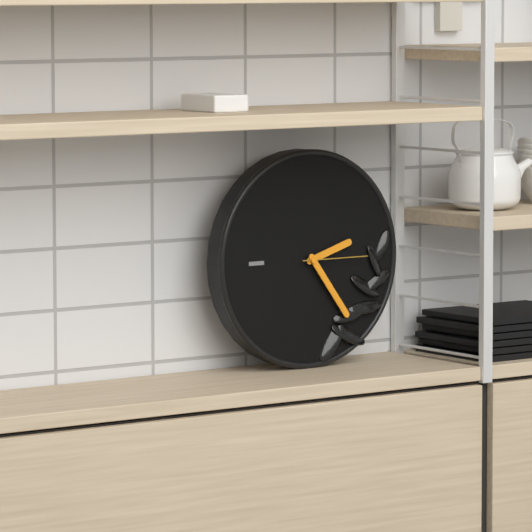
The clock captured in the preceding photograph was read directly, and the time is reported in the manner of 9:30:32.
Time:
2:24:15
